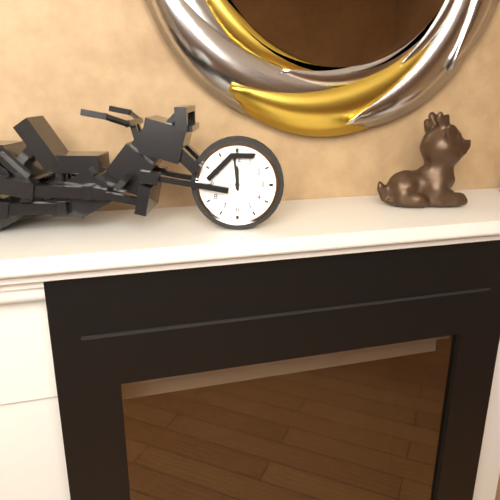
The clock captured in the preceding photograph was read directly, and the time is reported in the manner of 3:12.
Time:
11:59
